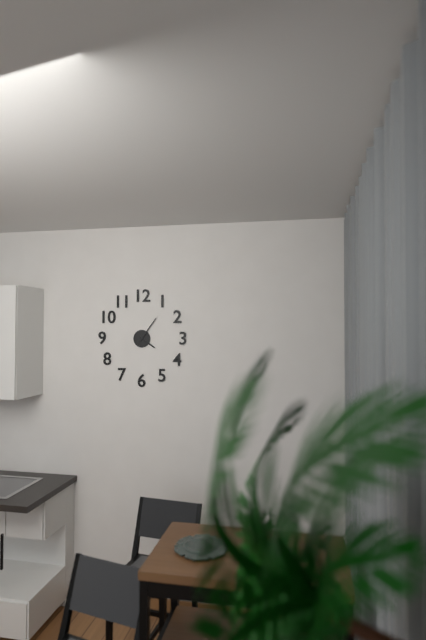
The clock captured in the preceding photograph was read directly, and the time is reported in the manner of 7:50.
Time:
4:06
